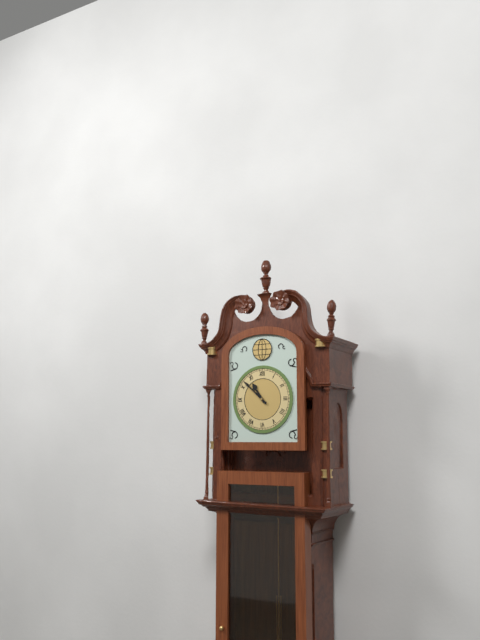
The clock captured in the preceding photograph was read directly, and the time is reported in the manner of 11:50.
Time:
10:52
